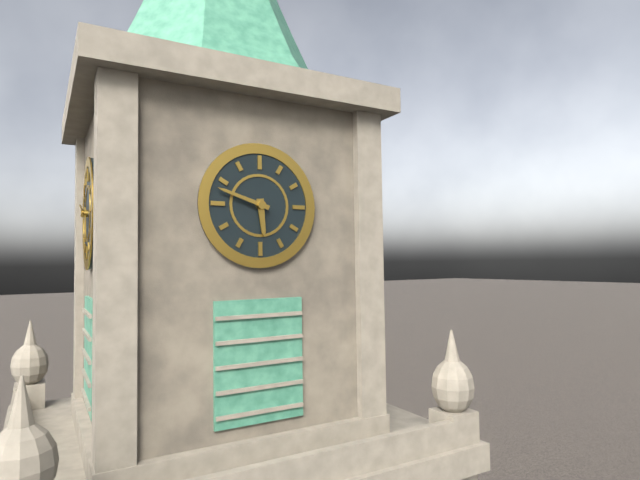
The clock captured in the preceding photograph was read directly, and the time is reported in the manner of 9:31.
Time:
5:48
